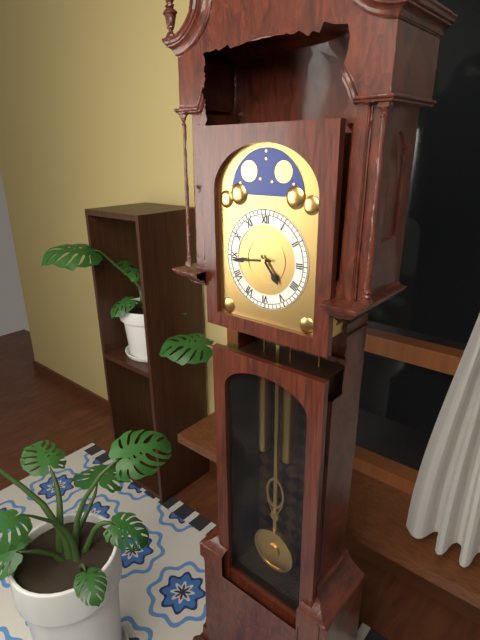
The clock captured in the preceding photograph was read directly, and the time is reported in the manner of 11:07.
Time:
4:44
